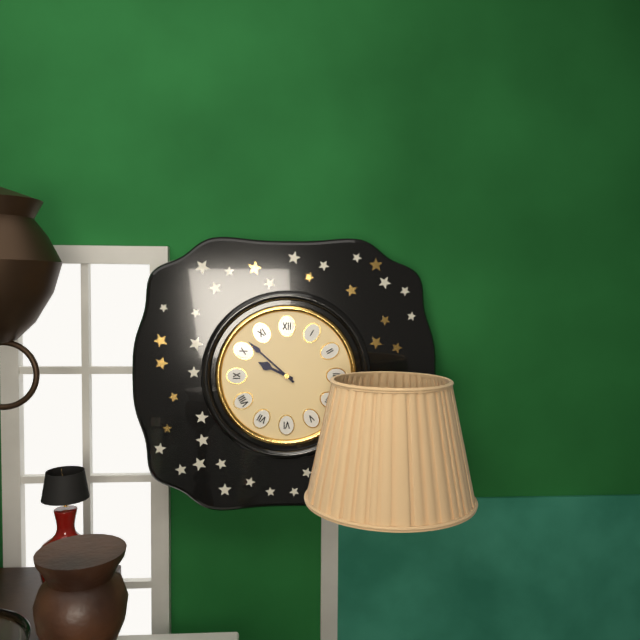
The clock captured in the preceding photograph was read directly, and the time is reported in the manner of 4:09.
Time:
9:52
